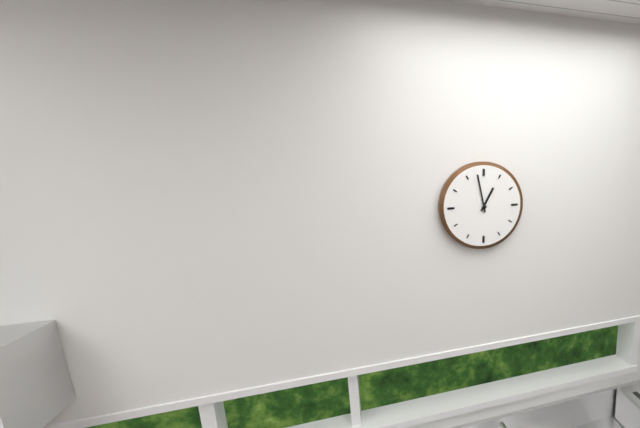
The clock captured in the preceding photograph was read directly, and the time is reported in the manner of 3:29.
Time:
12:58
